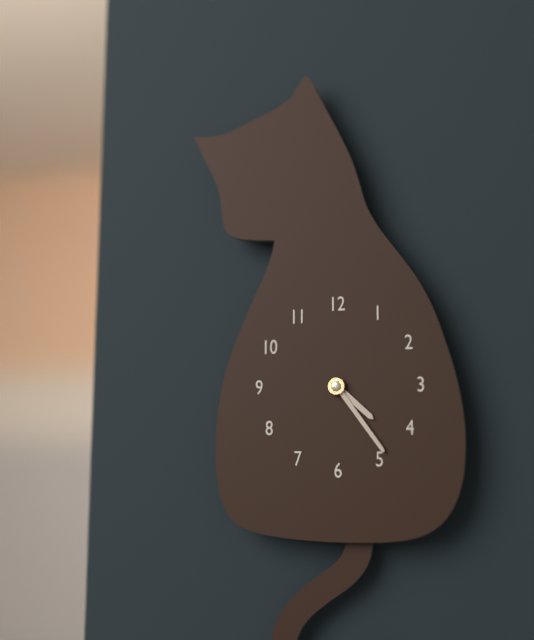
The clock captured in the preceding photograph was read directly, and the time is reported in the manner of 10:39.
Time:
4:24
